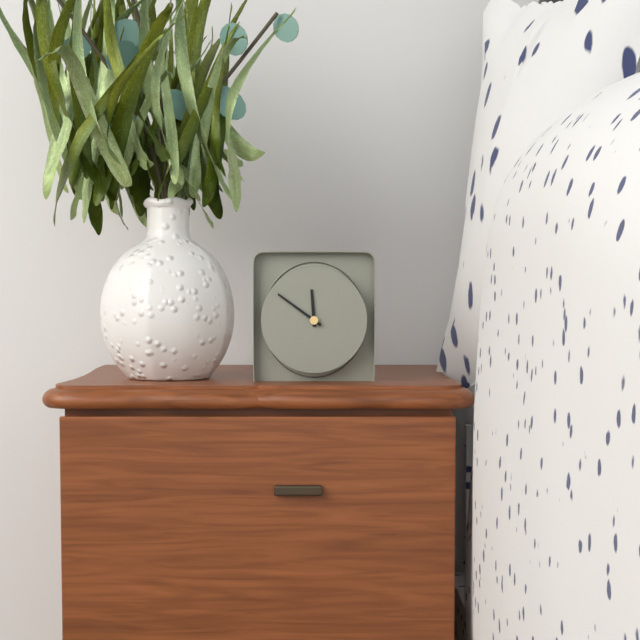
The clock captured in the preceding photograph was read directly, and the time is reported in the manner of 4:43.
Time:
11:51
